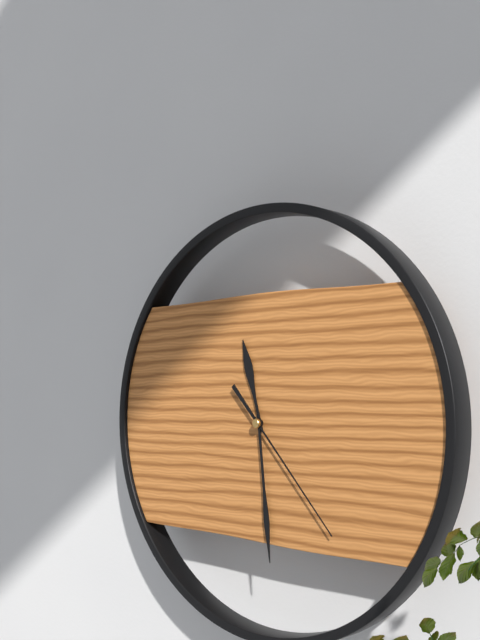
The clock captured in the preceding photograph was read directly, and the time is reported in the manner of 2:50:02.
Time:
11:29:23
